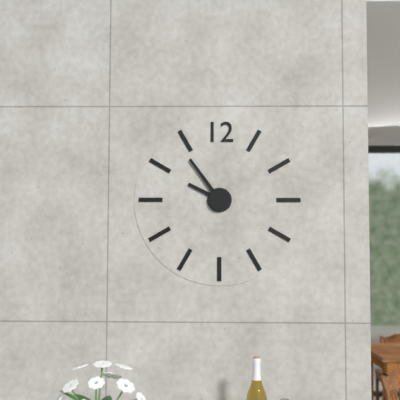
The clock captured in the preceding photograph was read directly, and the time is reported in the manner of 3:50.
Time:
9:54
